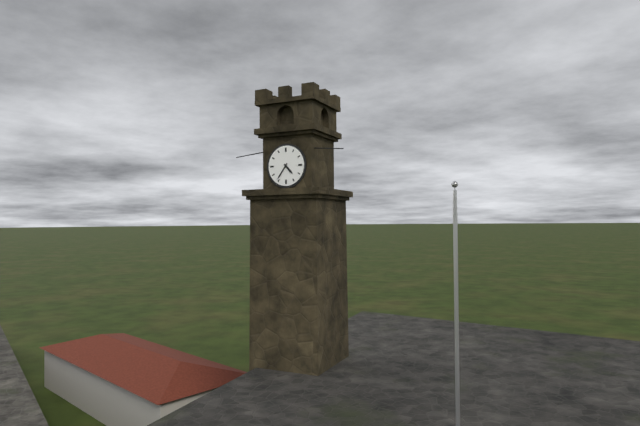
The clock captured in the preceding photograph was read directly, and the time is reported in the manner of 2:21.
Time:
4:36
